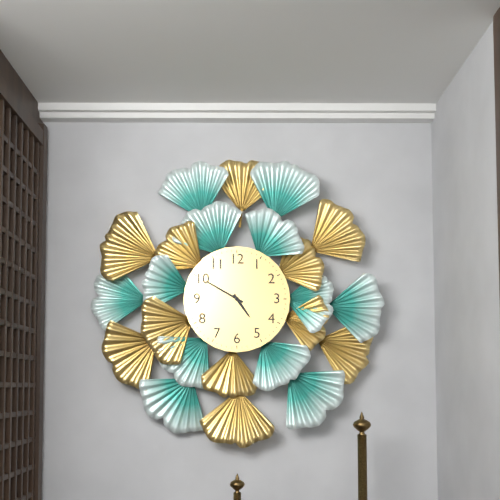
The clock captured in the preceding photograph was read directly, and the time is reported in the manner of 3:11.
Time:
4:50
